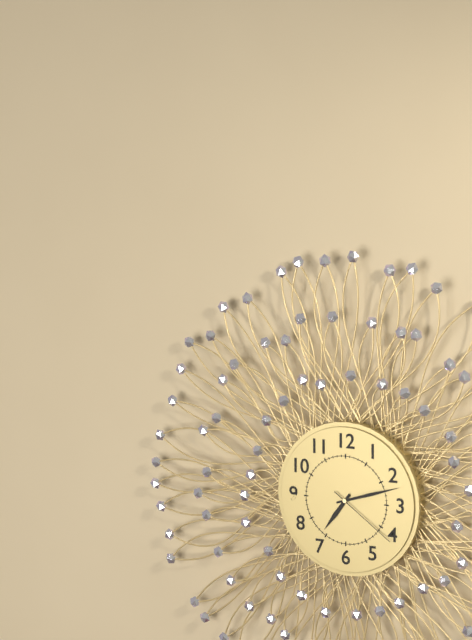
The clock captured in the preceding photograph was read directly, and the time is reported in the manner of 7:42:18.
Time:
7:12:21
